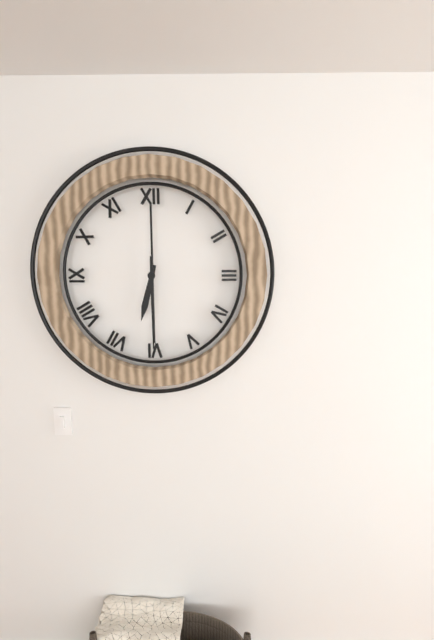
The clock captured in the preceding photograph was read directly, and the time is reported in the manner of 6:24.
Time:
6:30
